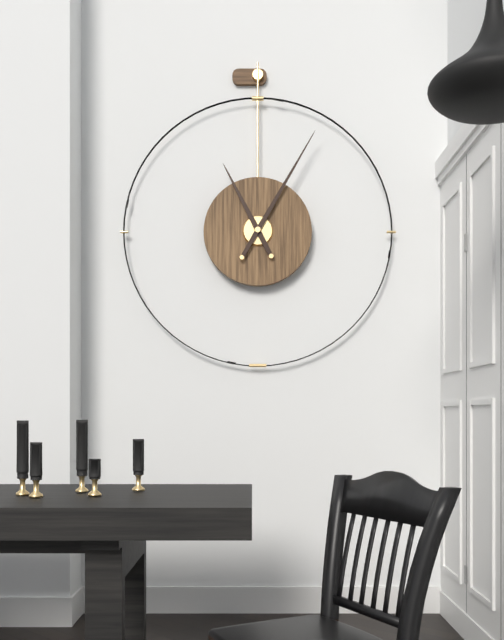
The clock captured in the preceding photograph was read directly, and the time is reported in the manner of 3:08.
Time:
11:05
